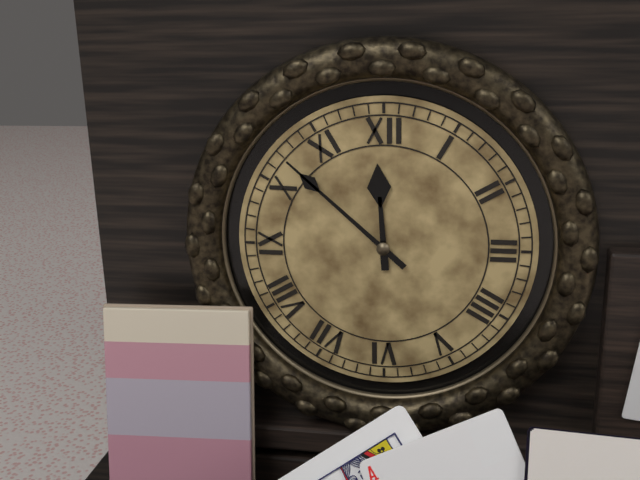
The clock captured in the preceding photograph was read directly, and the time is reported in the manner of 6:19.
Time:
11:52
